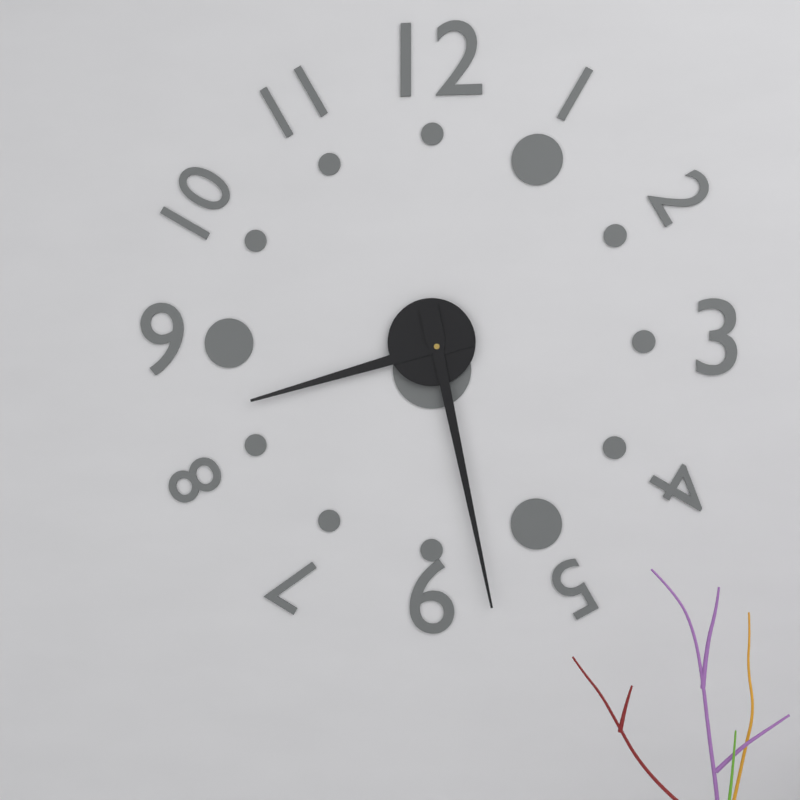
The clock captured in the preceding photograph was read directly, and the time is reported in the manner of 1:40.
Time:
8:28
